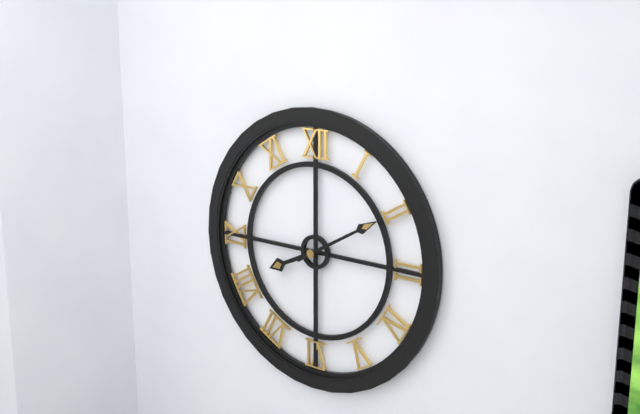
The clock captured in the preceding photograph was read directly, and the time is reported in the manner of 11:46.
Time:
8:10
